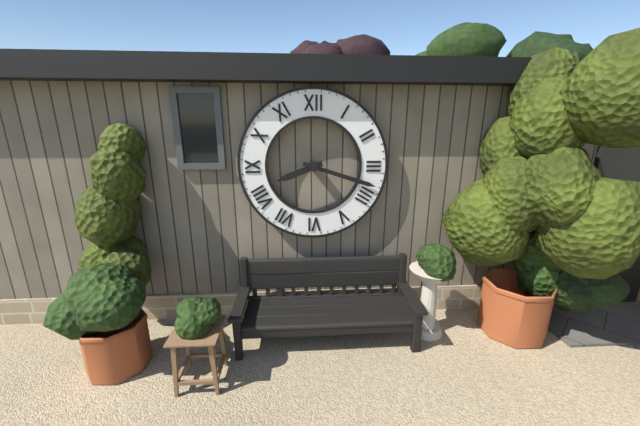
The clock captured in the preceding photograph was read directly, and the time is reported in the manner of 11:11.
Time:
8:18
